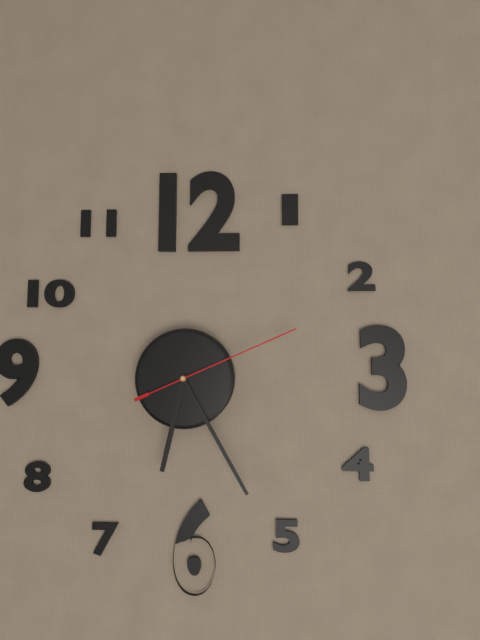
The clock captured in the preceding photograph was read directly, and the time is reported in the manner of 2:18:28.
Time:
6:25:11
